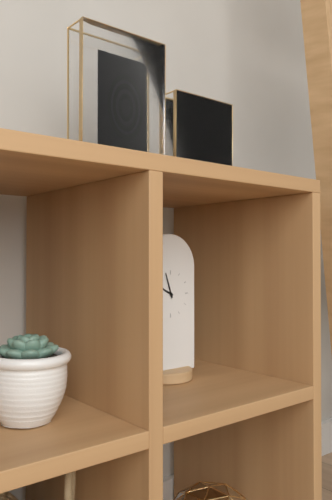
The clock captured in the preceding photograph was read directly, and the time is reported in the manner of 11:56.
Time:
9:57
